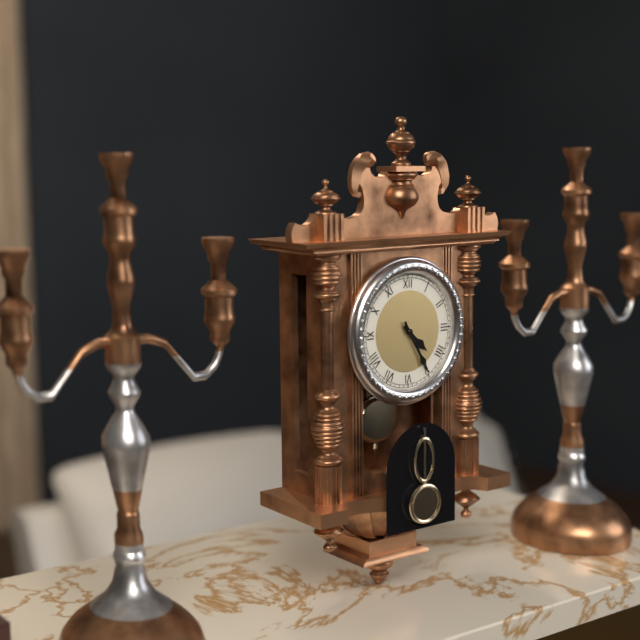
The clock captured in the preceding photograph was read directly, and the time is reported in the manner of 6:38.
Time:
4:25
